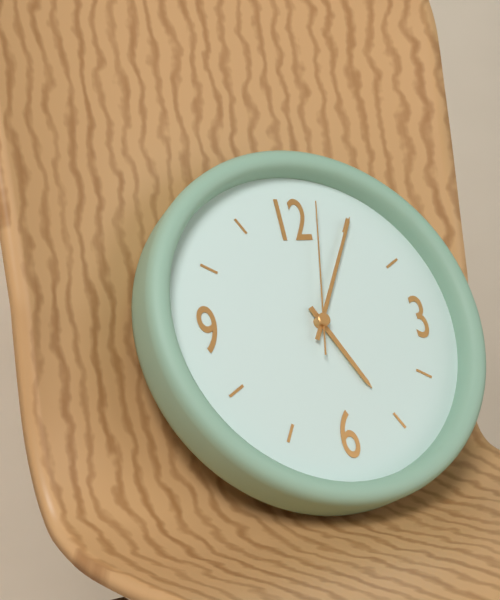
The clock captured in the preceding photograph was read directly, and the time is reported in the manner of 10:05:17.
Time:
5:05:02
